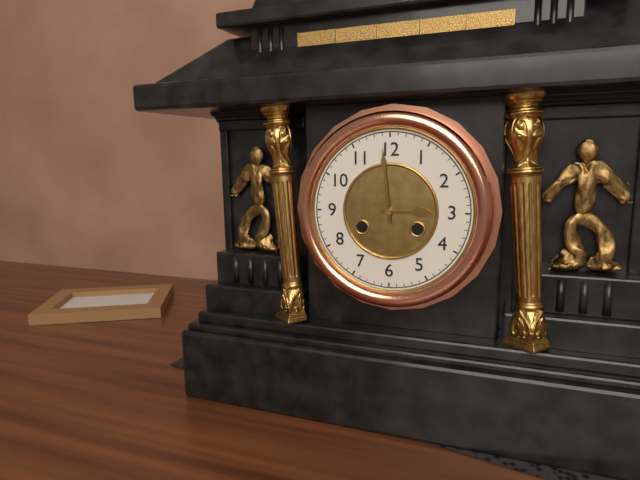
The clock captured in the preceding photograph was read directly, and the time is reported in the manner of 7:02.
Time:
2:59
